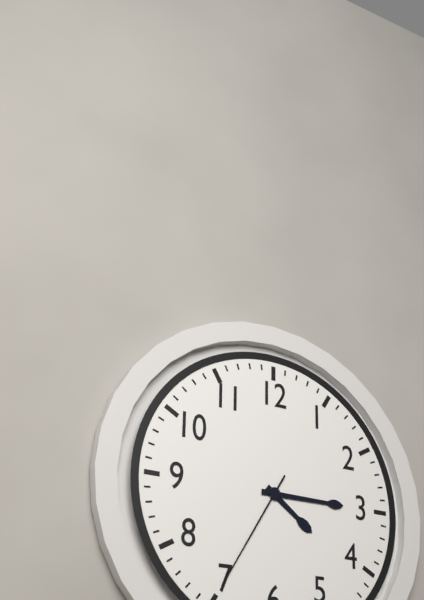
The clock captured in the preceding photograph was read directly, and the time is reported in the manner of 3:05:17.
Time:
4:15:35
